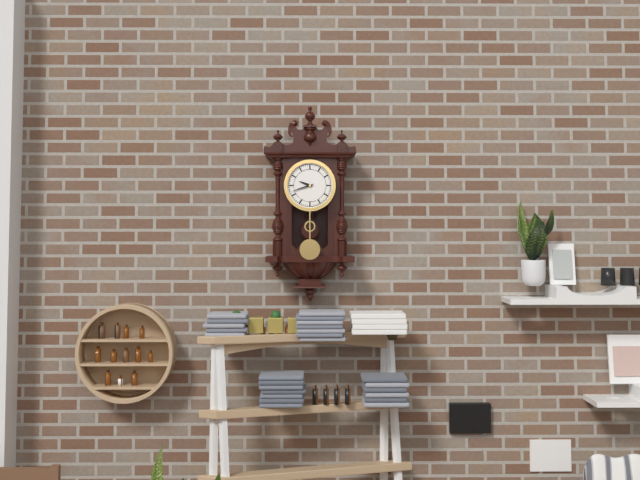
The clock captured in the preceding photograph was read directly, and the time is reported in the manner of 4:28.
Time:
9:42
